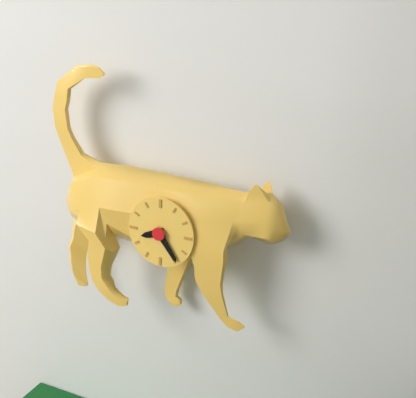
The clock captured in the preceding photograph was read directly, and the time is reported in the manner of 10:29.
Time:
8:24
